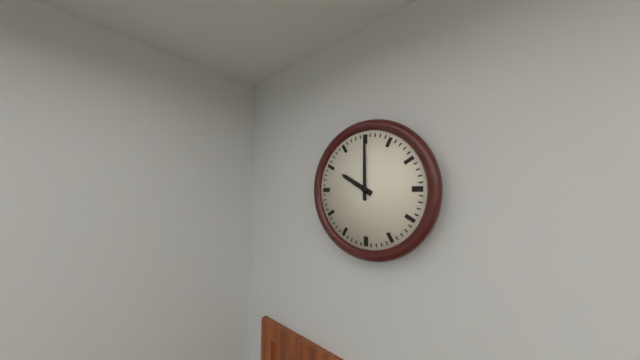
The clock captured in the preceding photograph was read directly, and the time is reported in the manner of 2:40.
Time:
10:00
